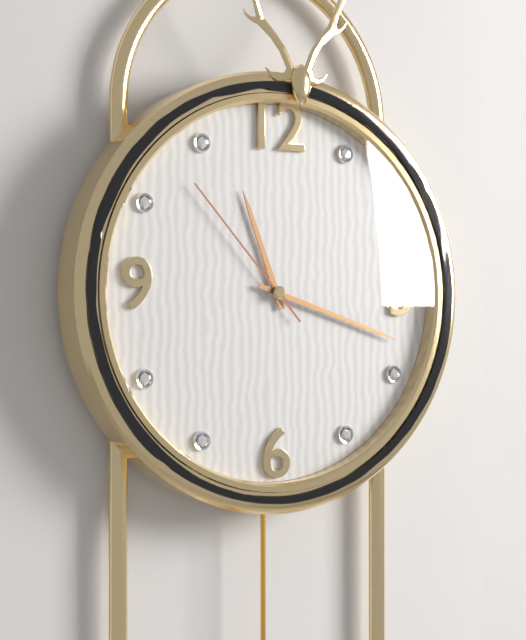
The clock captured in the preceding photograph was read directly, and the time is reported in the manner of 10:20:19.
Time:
11:18:53
